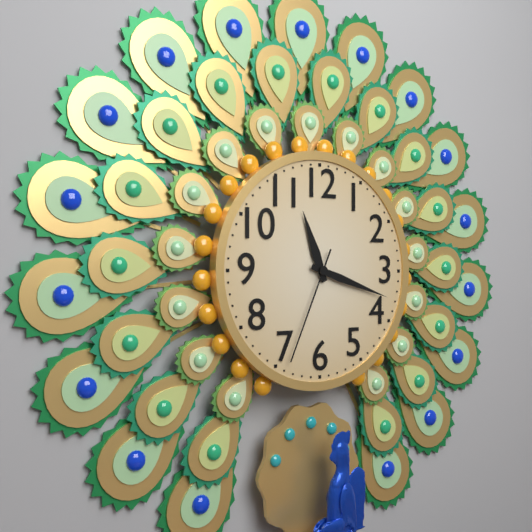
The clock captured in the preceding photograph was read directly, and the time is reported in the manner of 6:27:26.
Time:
11:18:34
